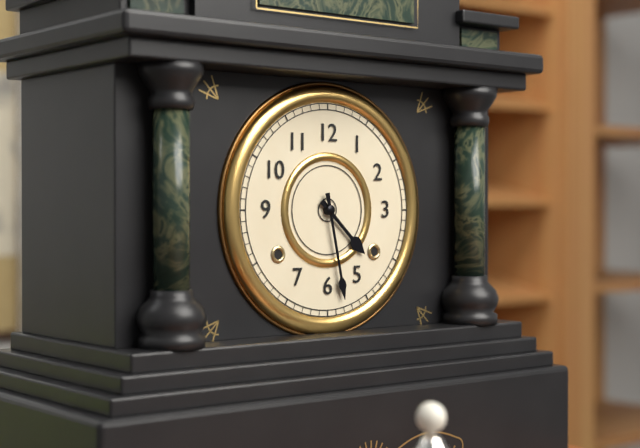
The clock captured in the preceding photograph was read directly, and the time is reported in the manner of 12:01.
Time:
4:28
